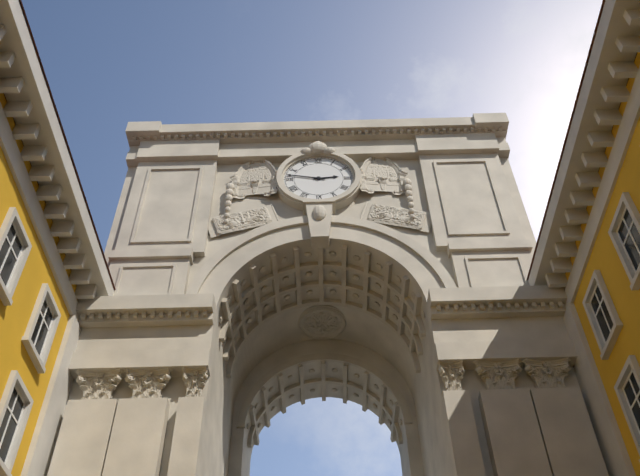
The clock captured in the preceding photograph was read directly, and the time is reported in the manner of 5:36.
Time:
2:47
